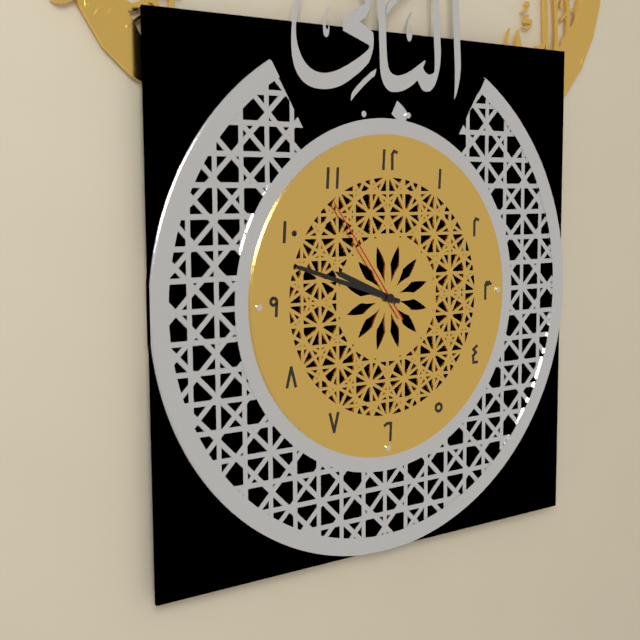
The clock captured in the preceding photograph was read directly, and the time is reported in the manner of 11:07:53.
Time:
9:48:54
